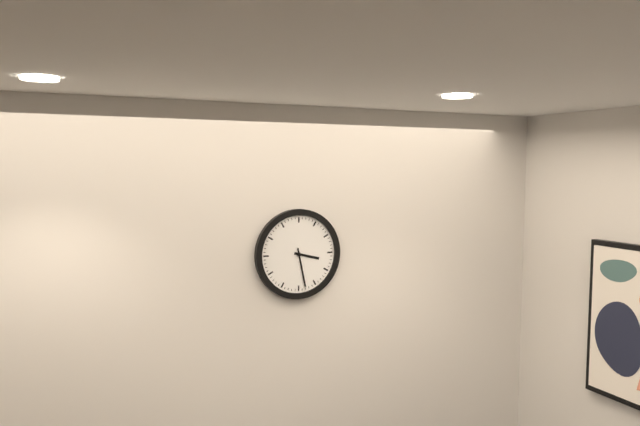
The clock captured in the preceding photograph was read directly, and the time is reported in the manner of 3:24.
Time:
3:28
